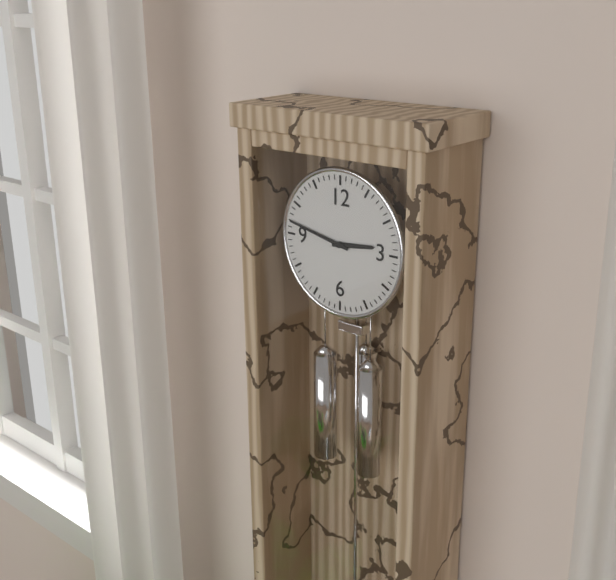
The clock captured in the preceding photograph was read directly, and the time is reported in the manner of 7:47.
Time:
2:47
